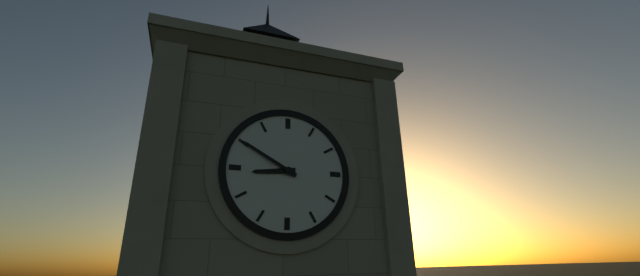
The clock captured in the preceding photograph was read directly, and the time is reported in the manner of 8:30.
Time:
8:50
